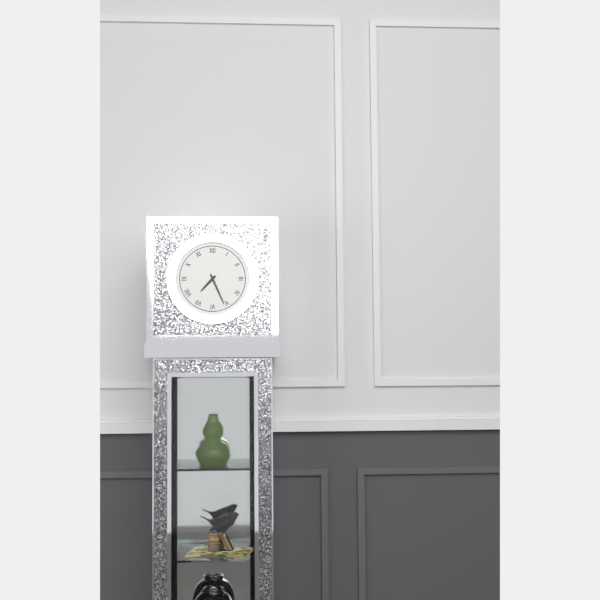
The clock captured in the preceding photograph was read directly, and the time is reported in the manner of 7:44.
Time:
7:26
